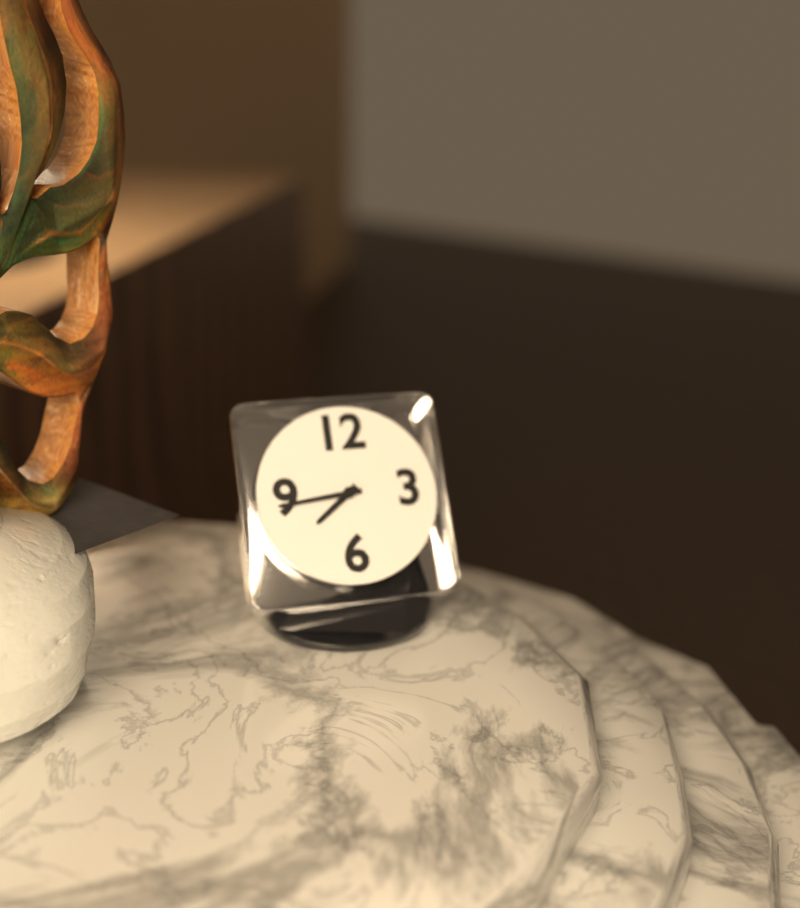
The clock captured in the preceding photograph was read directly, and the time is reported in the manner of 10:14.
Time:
7:44
